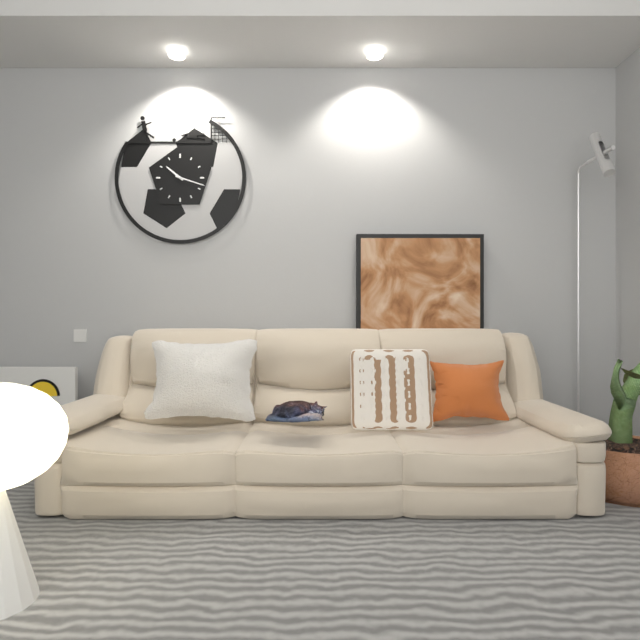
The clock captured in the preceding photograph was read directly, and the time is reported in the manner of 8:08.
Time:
10:18
